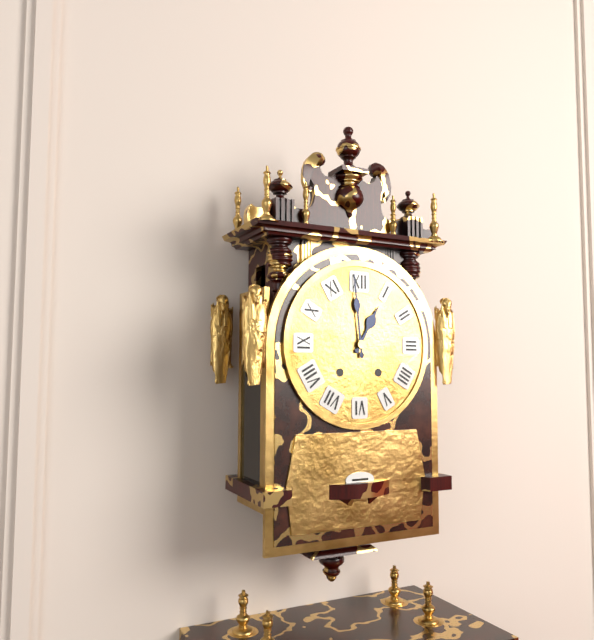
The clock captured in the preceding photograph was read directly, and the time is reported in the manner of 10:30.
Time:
12:59
